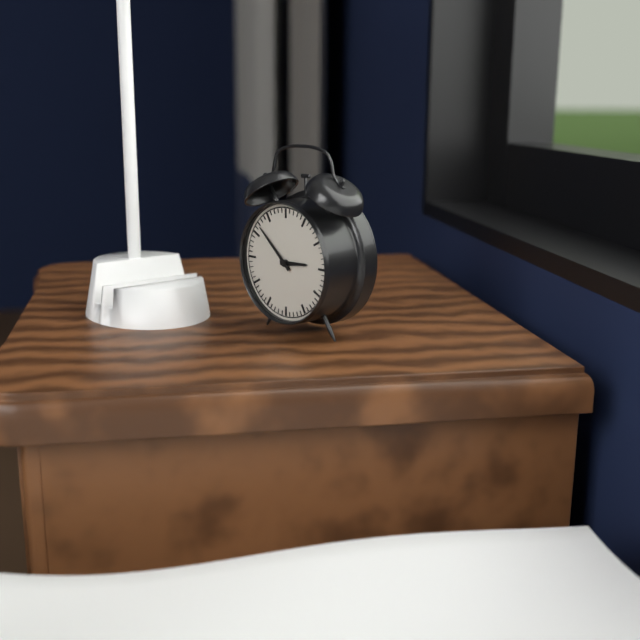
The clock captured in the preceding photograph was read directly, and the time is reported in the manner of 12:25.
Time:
2:52
